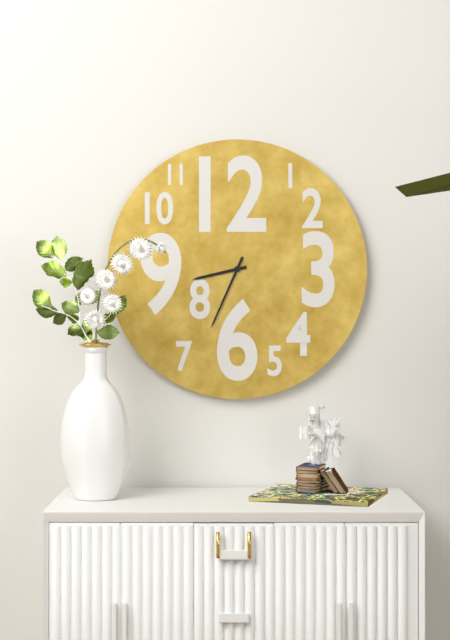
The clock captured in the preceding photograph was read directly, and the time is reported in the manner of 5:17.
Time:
8:34
